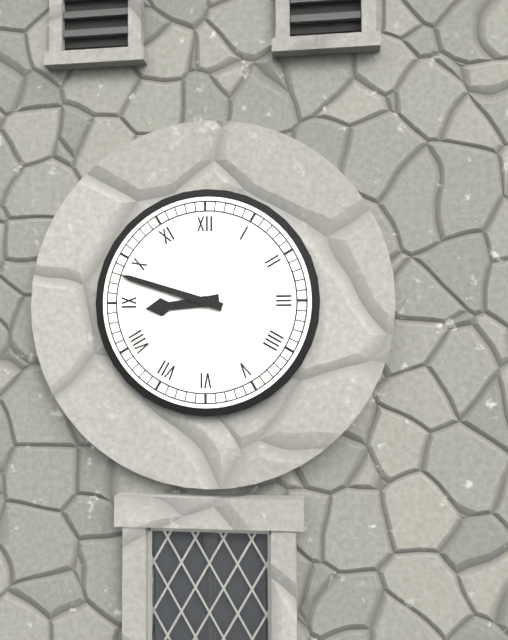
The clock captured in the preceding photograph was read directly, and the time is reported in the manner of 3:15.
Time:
8:48
